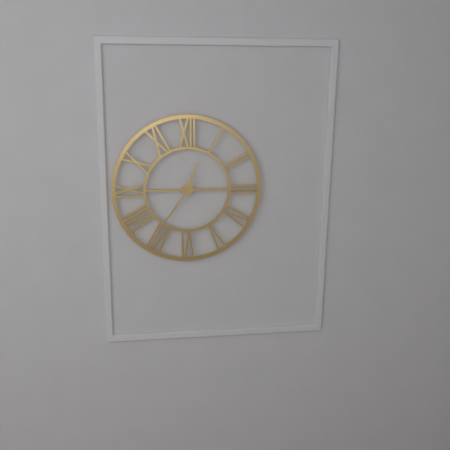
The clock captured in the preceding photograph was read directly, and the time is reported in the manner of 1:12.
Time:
12:36
